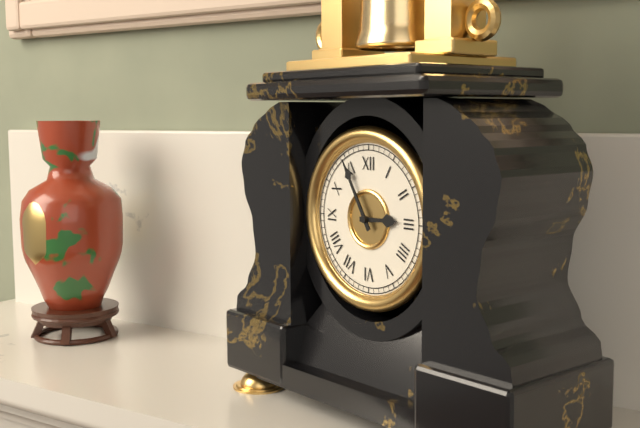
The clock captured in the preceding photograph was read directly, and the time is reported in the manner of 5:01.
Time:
2:55
